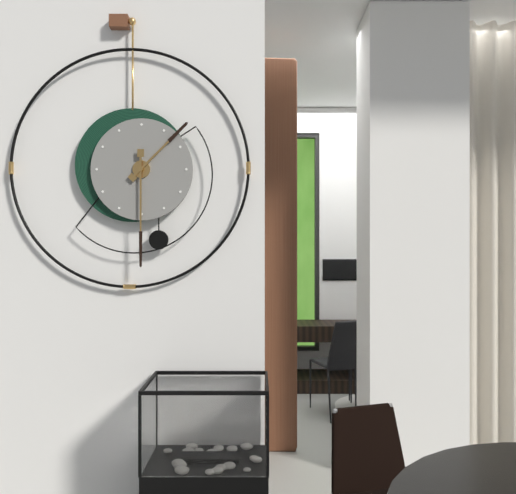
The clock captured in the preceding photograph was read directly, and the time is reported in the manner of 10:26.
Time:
1:30
